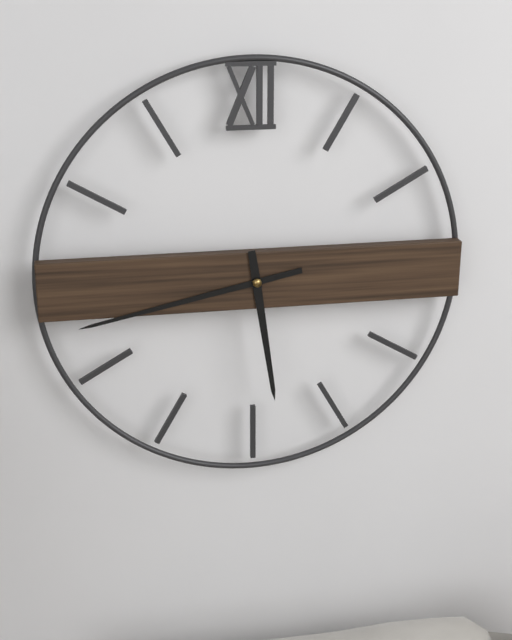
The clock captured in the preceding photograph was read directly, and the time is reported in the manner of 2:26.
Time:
5:43
